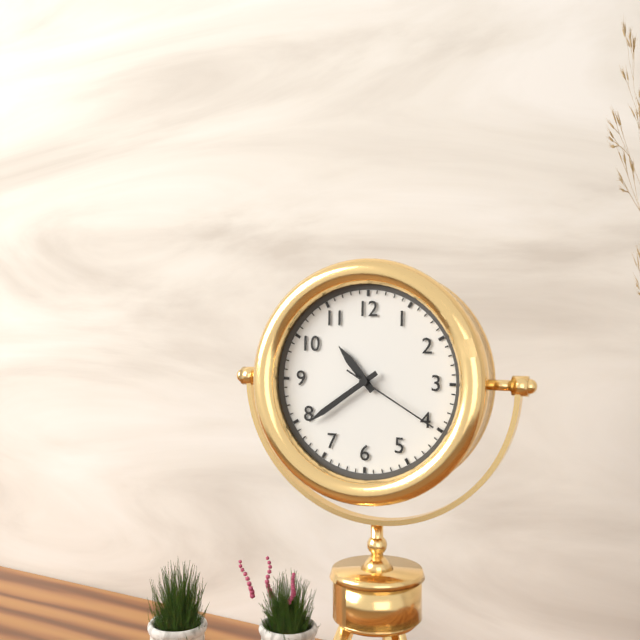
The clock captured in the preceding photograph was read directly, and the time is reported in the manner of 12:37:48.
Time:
10:39:20
